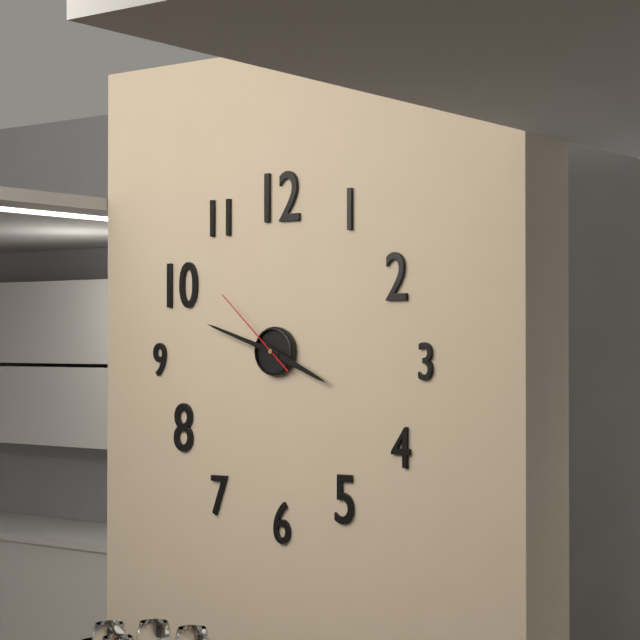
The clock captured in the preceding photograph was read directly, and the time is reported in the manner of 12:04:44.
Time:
3:48:52
